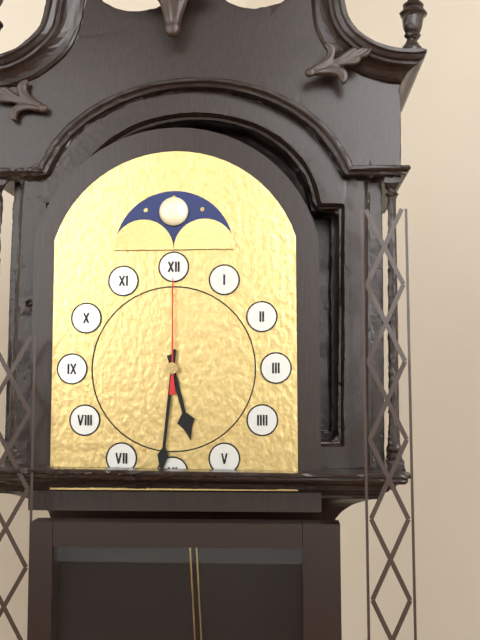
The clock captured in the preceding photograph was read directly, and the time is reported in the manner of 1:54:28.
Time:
5:31:00
